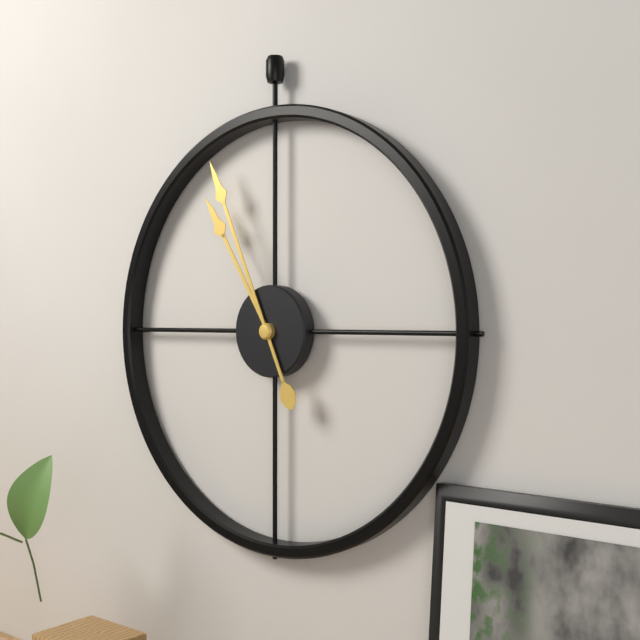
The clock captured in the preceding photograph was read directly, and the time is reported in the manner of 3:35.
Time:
10:56
